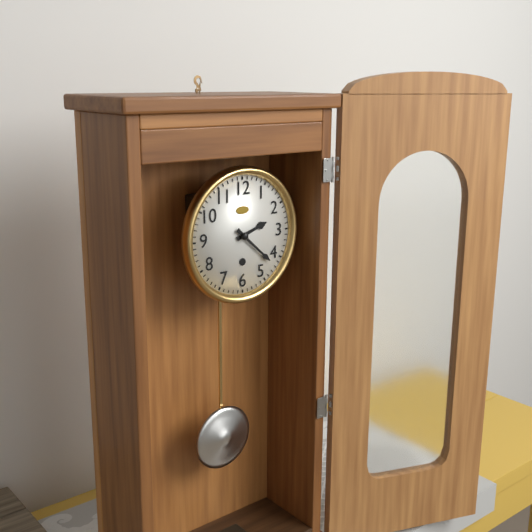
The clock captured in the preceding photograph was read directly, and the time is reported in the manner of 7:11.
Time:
2:22
